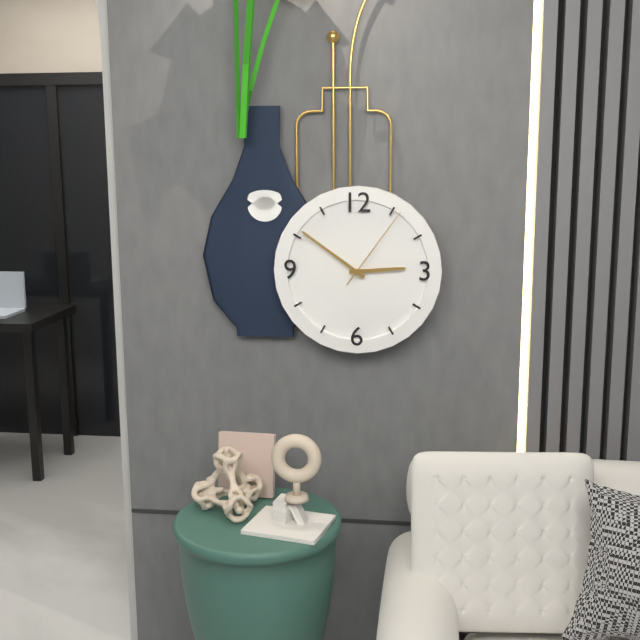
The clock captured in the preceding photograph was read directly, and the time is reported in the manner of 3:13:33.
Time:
2:51:06
